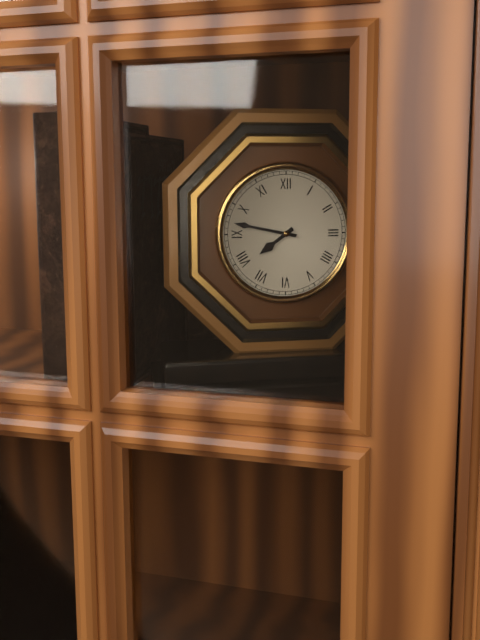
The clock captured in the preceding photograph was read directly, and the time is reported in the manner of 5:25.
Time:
7:47
